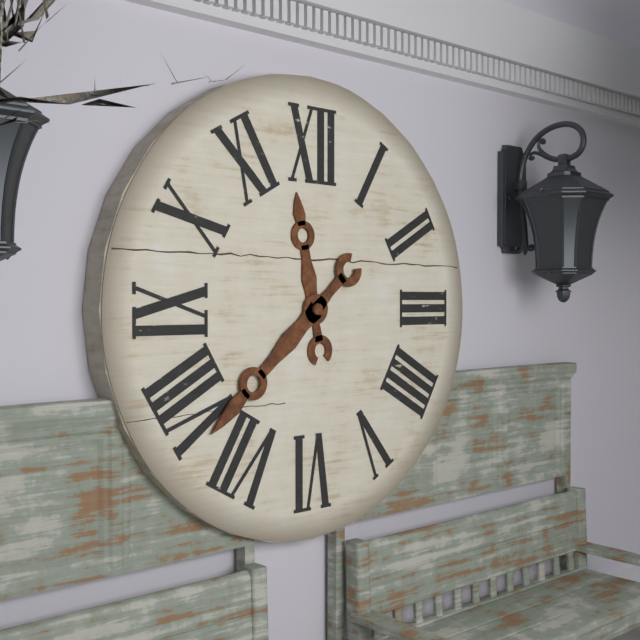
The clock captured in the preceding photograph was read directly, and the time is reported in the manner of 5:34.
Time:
11:38
